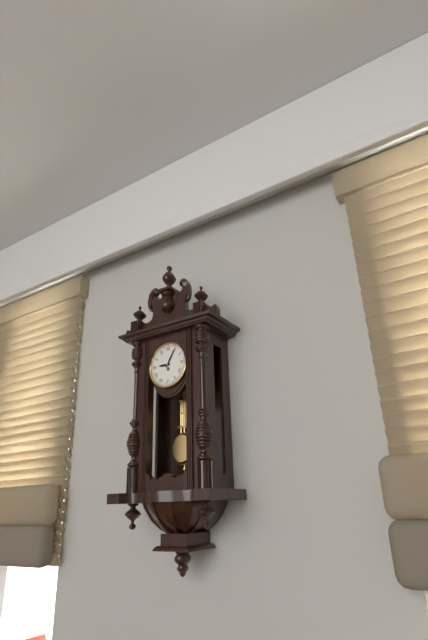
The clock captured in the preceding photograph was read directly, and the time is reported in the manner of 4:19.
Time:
9:05
